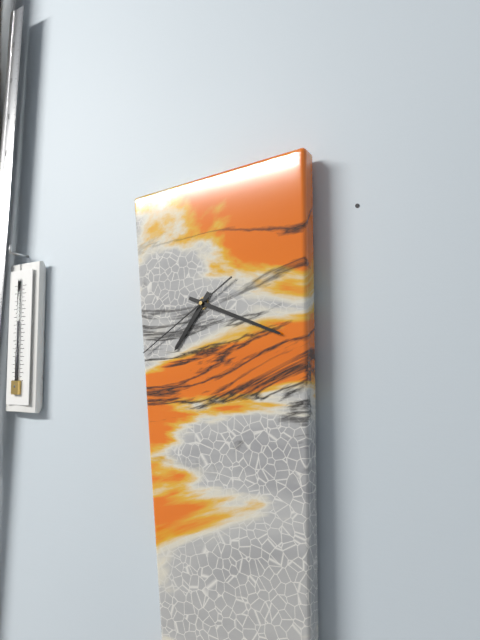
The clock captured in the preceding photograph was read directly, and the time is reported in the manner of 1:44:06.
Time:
7:19:40
